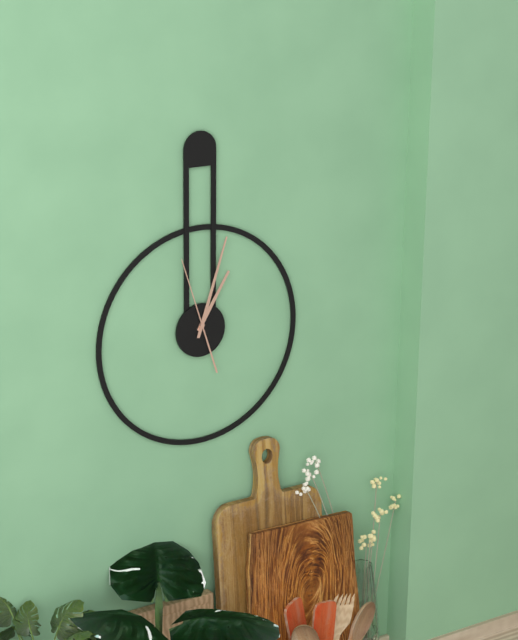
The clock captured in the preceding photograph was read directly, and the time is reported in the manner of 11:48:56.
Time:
1:03:57
